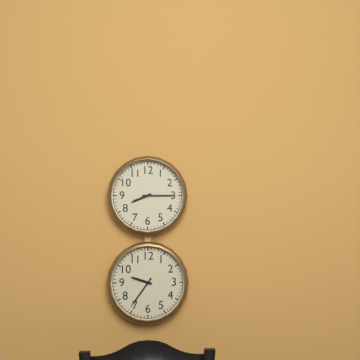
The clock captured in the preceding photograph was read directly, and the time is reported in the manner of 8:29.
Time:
8:15
